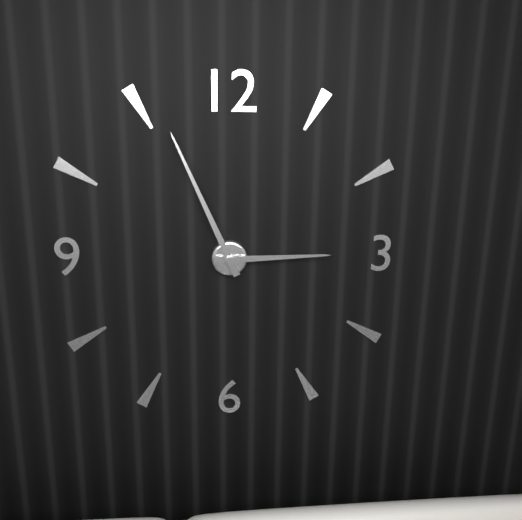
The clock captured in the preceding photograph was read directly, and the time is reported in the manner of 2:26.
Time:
2:56
